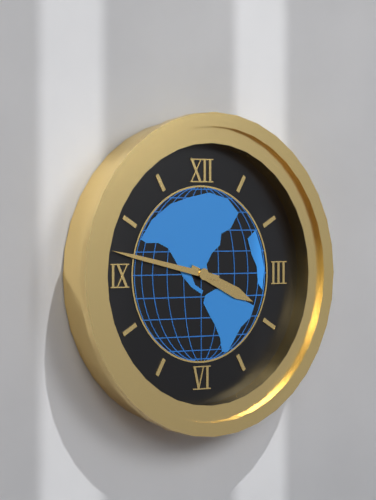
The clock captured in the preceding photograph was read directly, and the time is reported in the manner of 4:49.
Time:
3:47
